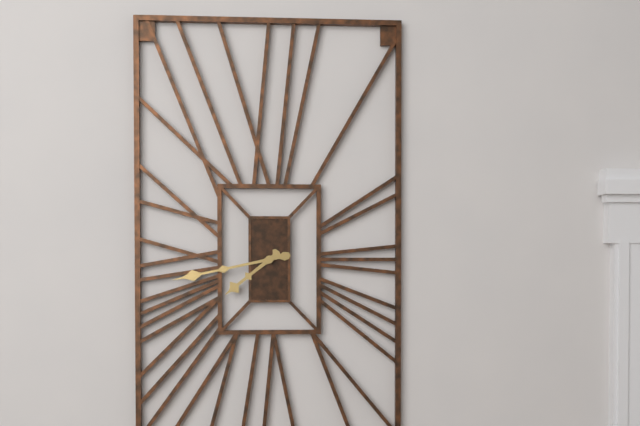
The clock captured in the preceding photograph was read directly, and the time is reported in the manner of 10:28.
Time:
7:43
